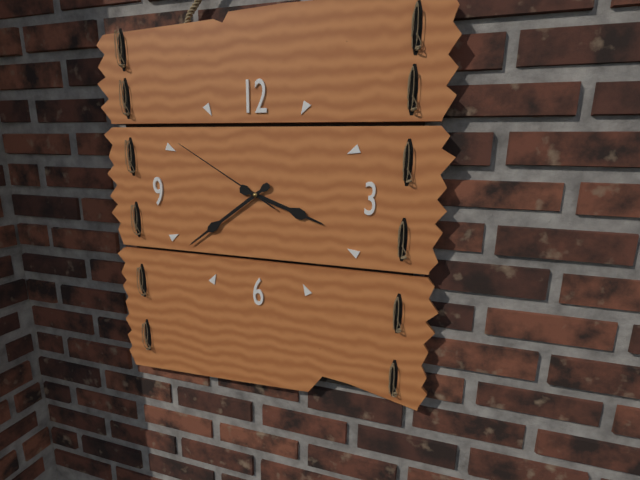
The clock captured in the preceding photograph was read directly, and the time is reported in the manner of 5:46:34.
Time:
3:39:50
